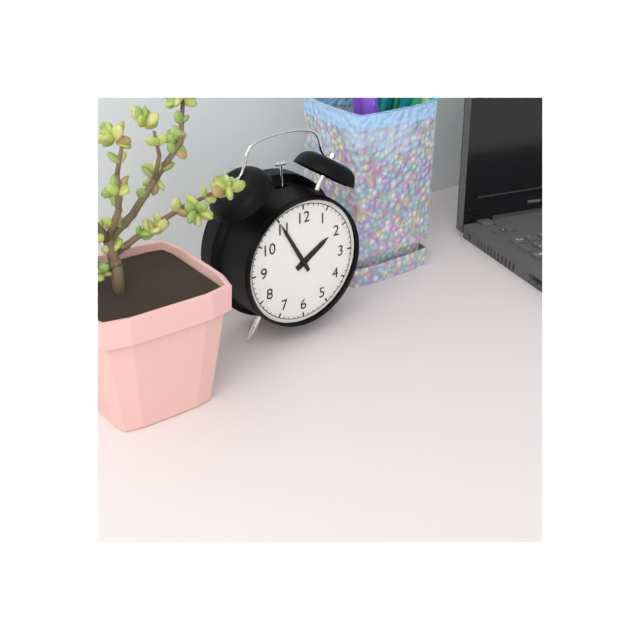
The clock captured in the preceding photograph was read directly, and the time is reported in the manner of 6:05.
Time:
1:55
